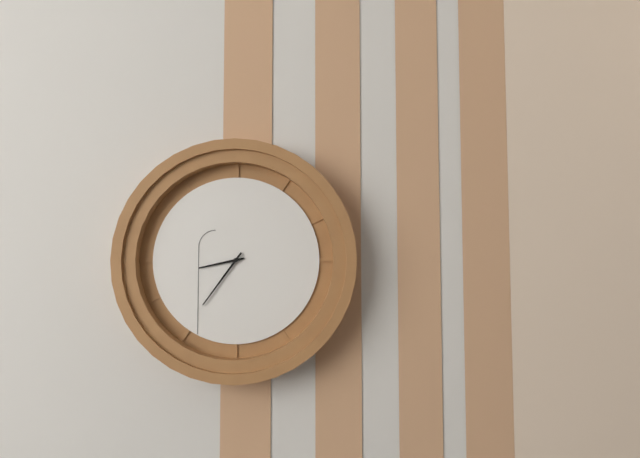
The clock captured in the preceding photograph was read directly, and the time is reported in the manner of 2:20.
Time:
8:36
